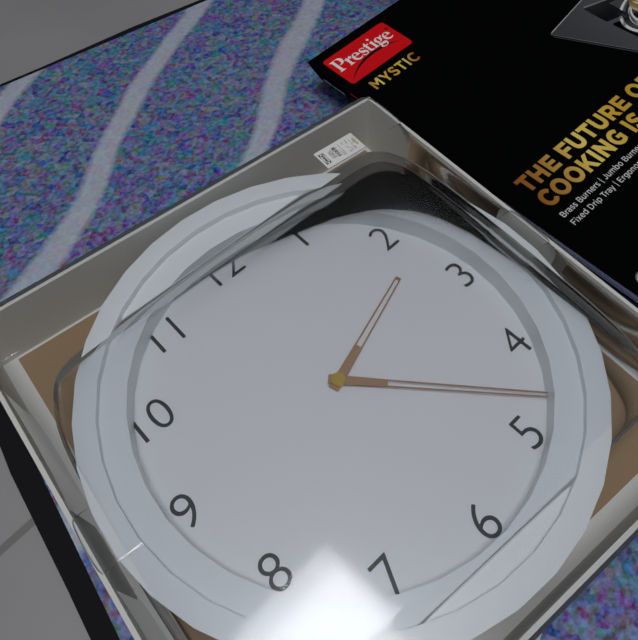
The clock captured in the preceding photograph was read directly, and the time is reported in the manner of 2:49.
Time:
2:23
